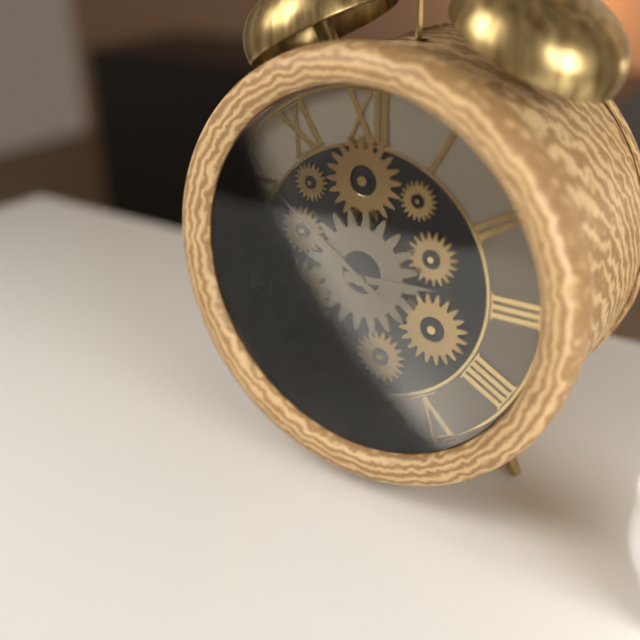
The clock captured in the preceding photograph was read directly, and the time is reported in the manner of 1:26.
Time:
2:51
